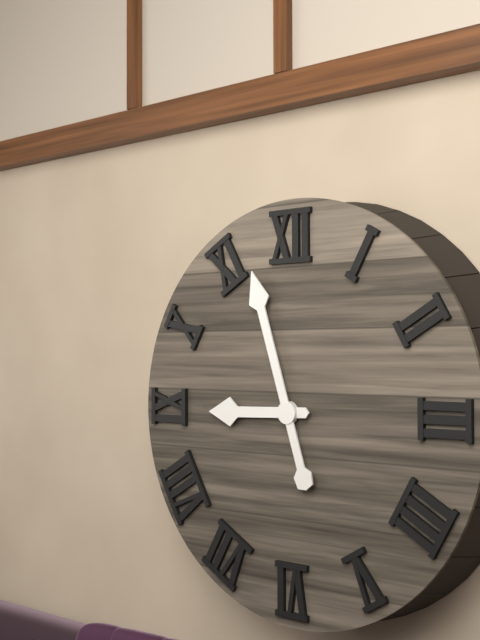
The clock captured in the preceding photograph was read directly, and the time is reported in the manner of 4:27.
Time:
8:57
